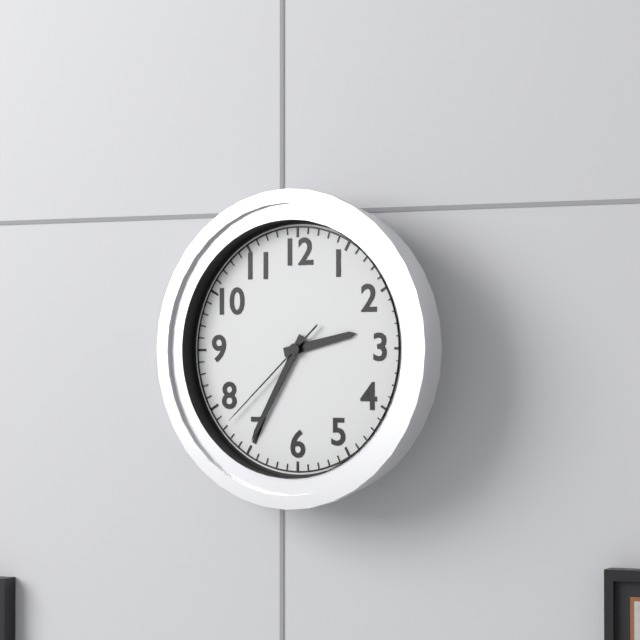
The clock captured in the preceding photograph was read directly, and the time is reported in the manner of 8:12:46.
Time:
2:35:38
